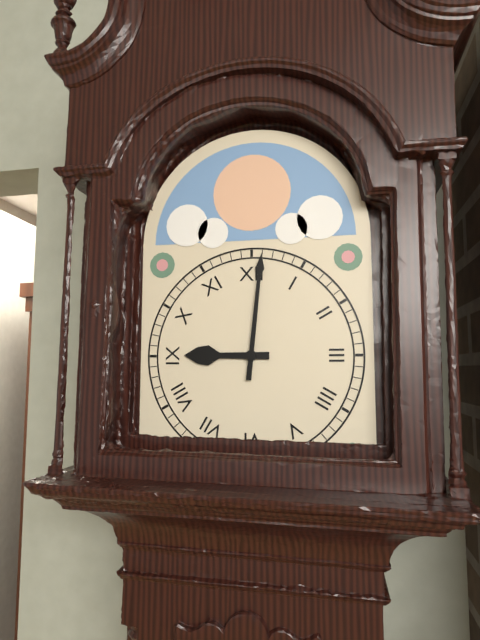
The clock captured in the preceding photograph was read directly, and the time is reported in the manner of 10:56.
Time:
9:01
